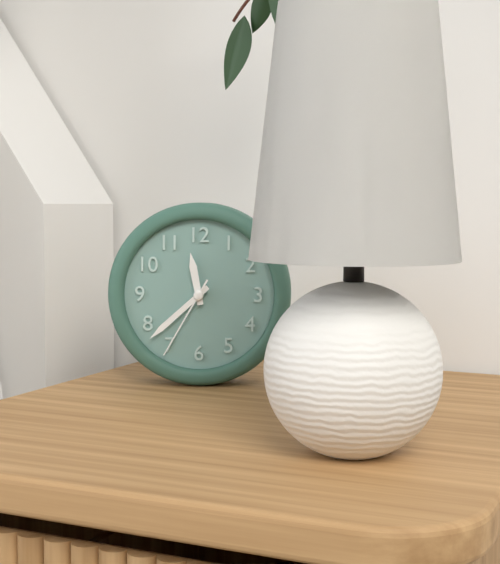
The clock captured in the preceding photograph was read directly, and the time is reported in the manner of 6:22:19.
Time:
11:38:35
